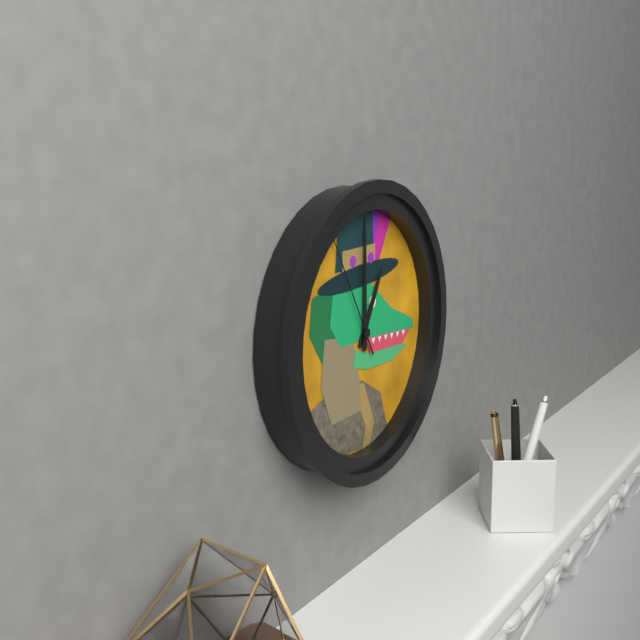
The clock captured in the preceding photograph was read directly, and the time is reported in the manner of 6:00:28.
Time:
1:00:55
